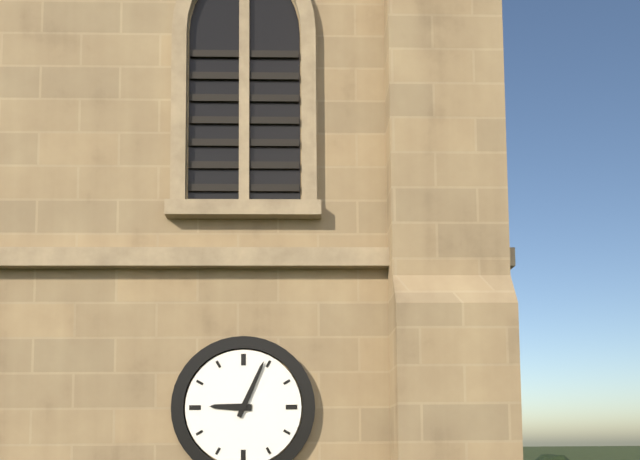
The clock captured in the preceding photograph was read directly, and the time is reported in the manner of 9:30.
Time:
9:04
